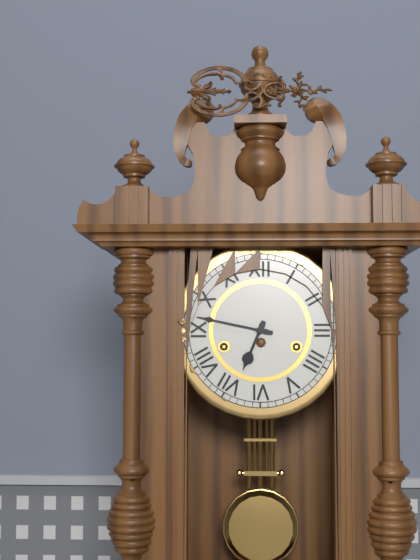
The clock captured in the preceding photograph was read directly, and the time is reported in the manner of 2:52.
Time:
6:47
